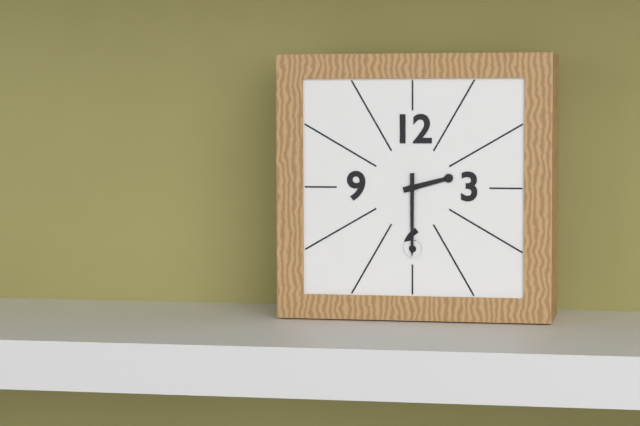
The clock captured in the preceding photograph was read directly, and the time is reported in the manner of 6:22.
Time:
2:30
